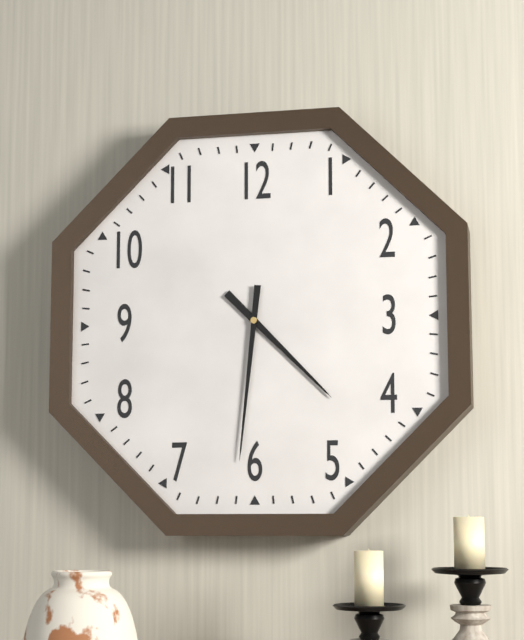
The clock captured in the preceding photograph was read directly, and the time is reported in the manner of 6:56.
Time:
4:31
